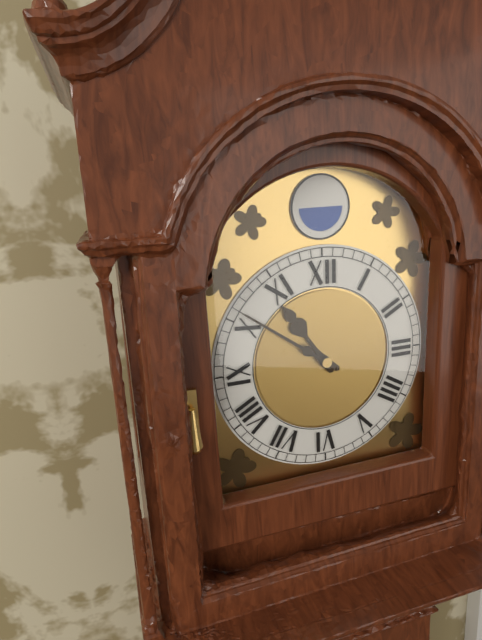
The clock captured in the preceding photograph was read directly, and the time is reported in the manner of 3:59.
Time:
10:51
